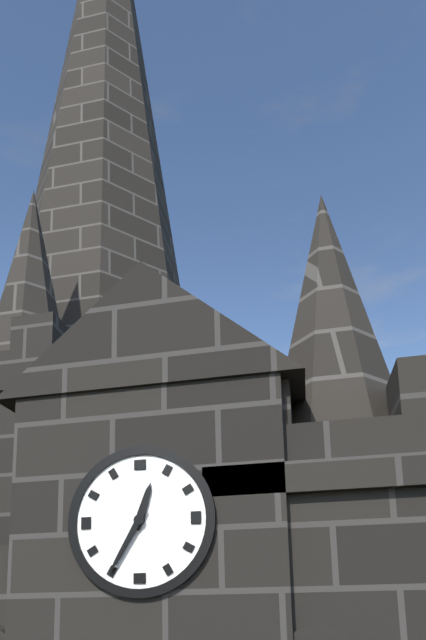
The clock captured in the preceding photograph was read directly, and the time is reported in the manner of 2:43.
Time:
12:35
